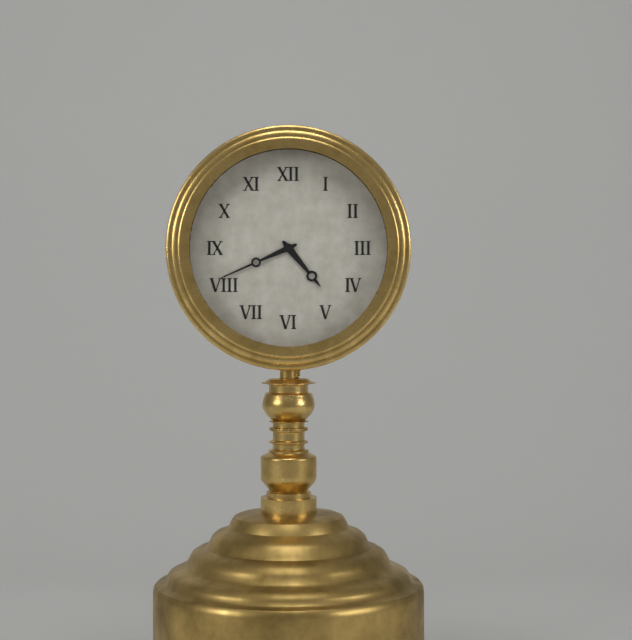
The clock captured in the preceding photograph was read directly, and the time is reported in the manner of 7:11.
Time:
4:41
